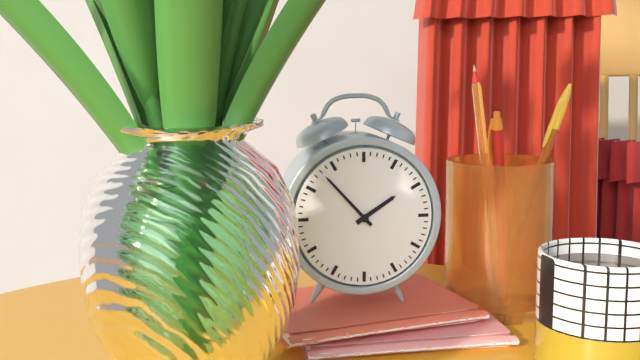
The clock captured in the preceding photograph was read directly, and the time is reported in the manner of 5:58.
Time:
1:53
